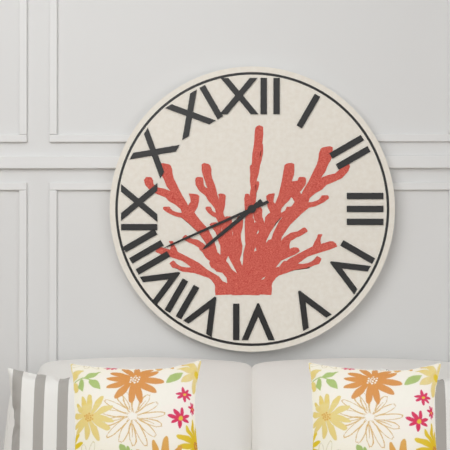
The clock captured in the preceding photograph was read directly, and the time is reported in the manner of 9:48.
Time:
7:41
